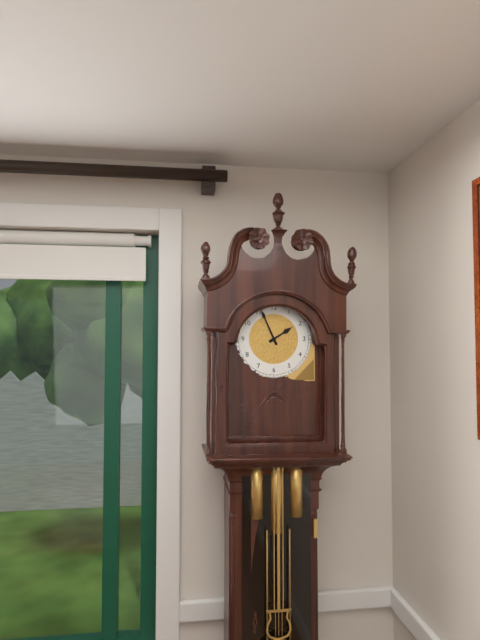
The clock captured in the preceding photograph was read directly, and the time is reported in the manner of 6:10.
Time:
1:56
